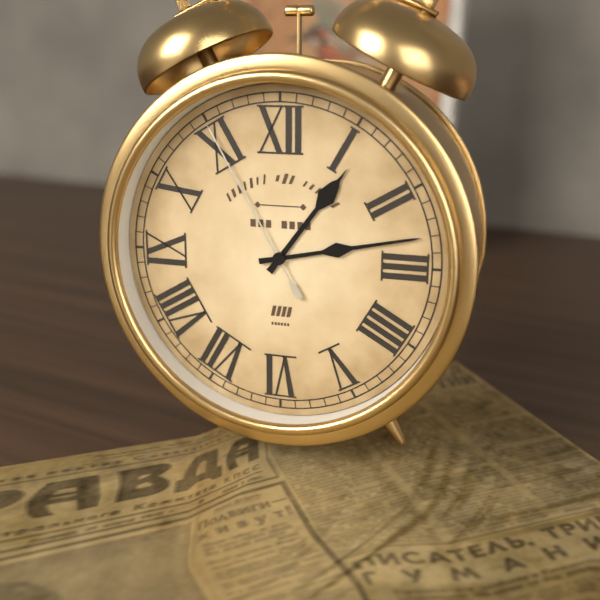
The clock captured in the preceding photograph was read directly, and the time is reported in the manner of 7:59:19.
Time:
1:13:55
